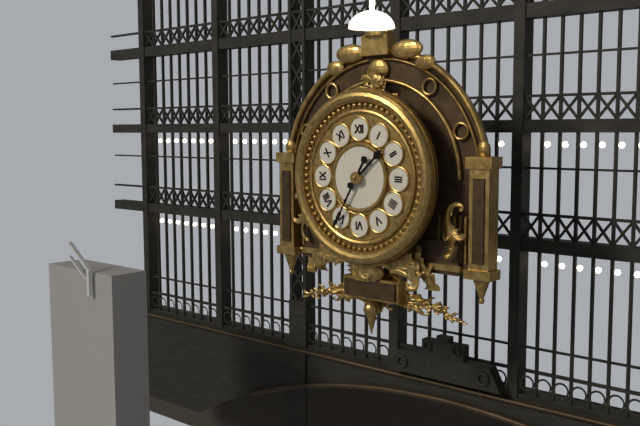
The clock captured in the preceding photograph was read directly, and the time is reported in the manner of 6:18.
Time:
1:35
